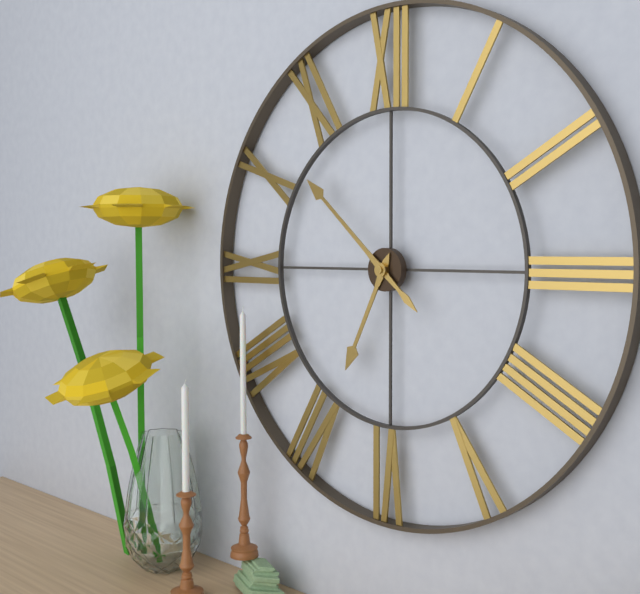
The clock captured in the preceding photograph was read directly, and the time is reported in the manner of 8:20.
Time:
6:52
